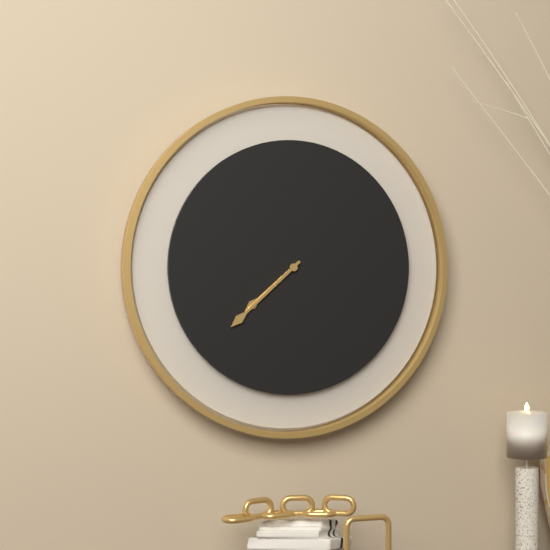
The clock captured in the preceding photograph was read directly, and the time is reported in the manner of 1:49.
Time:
7:38
